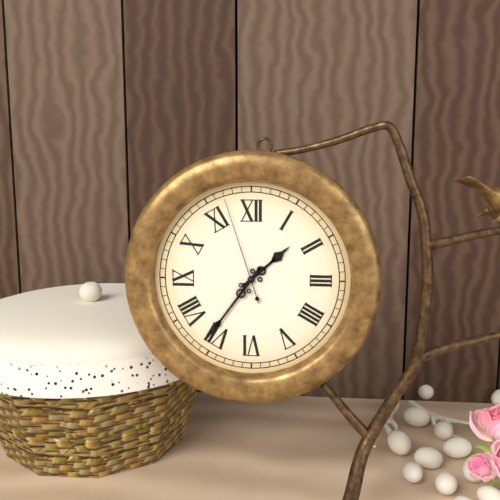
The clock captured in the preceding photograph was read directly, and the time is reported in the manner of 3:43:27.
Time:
1:36:57
